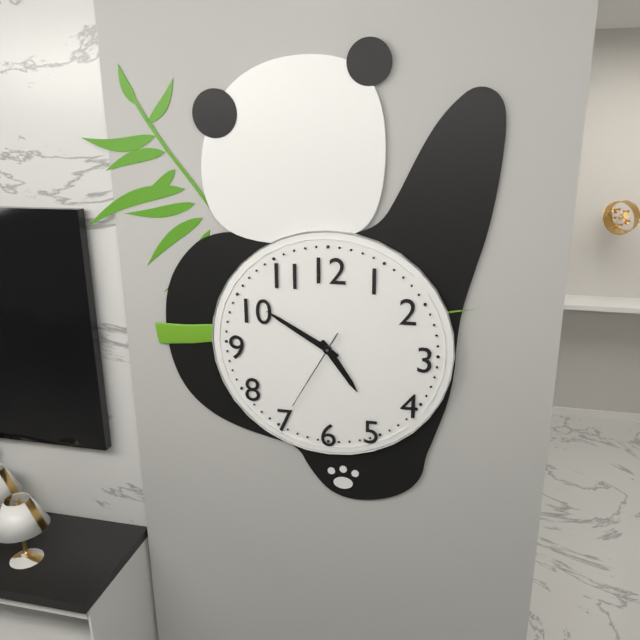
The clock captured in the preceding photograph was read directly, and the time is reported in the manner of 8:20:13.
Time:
4:50:35
